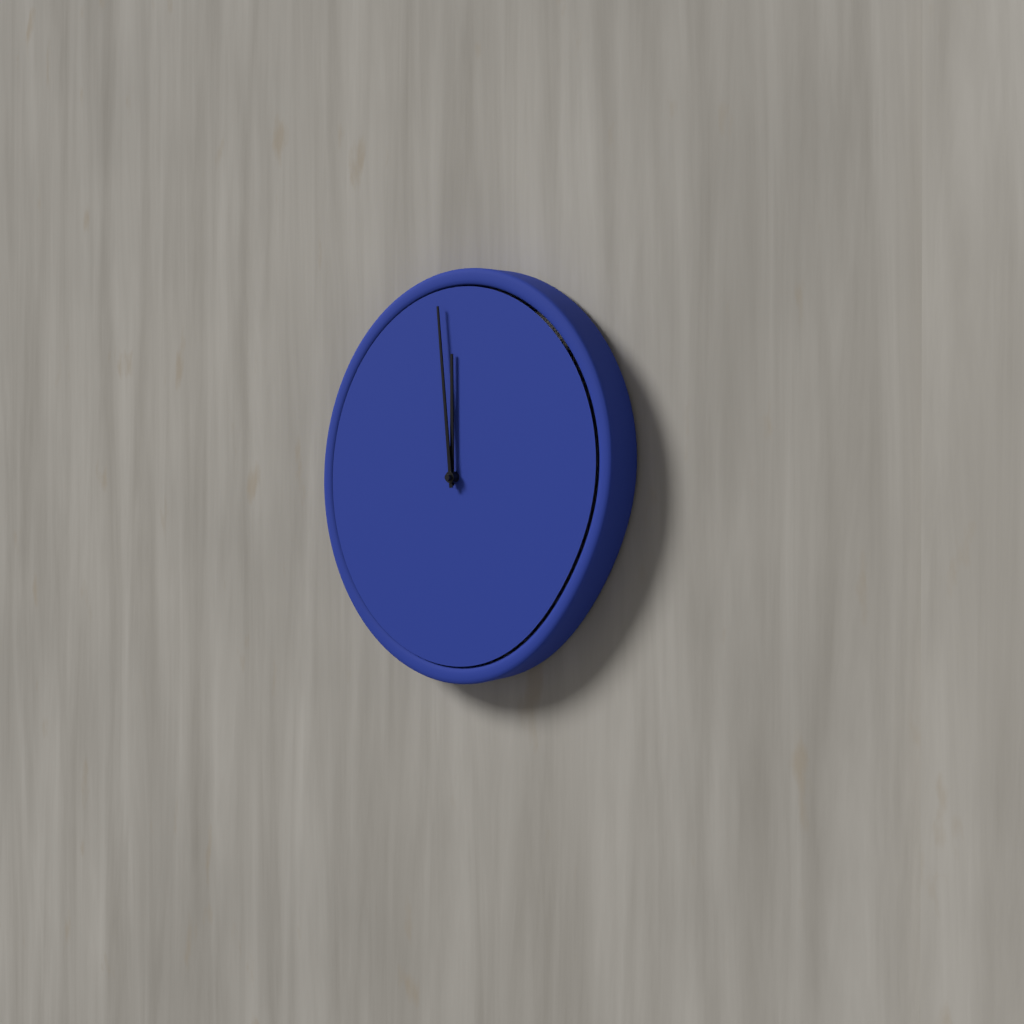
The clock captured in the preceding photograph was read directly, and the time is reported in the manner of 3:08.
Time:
11:59
